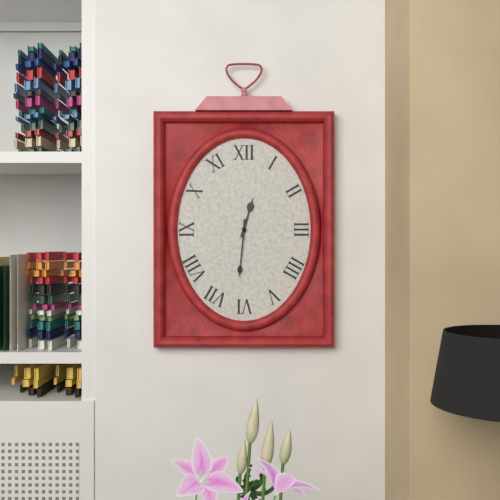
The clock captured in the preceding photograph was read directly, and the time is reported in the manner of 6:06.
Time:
12:31
